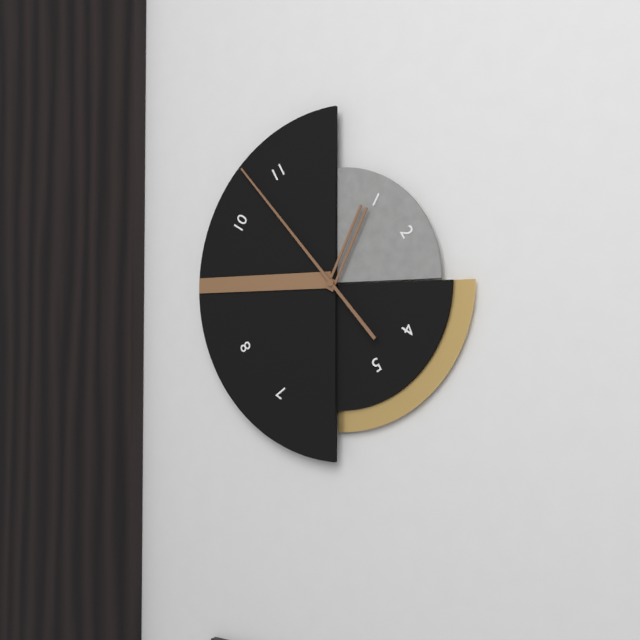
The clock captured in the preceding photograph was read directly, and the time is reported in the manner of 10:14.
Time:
12:53
